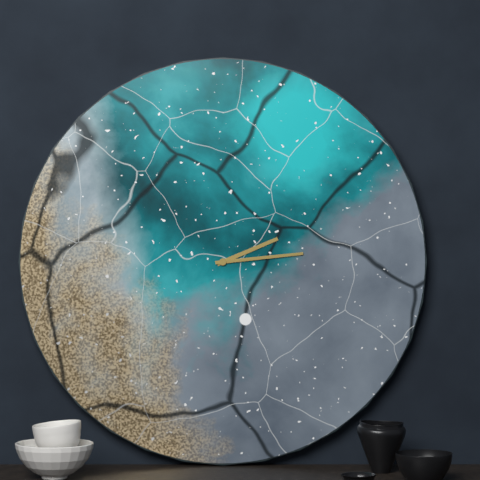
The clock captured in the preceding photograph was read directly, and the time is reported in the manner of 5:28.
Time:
2:14
